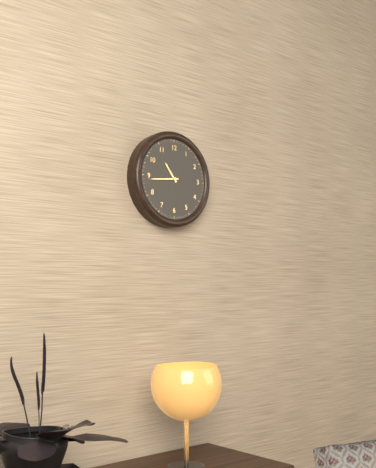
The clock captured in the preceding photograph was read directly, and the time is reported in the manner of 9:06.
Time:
10:44
